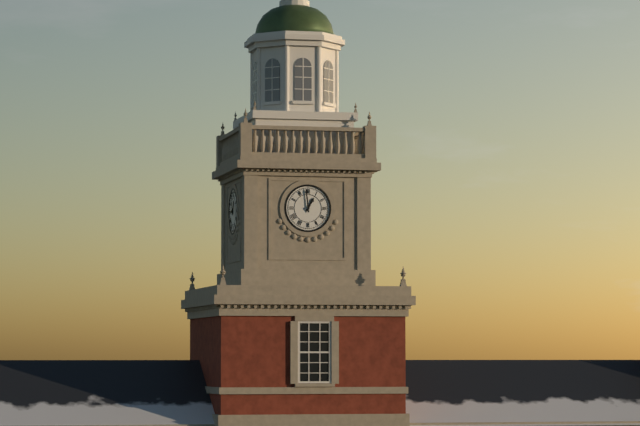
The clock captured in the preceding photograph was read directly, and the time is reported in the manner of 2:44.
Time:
12:59
